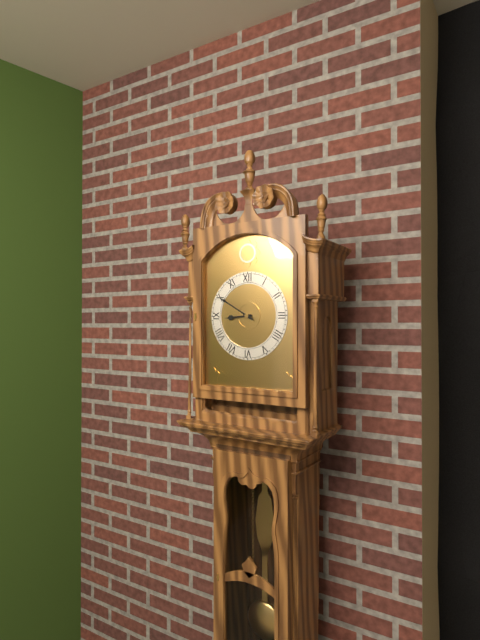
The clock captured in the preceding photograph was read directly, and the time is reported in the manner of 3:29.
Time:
8:50
